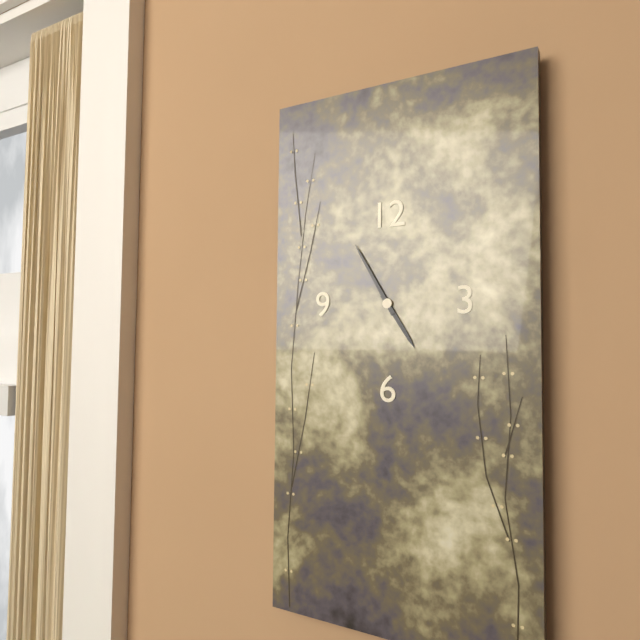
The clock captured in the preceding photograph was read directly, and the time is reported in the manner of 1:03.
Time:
4:55
